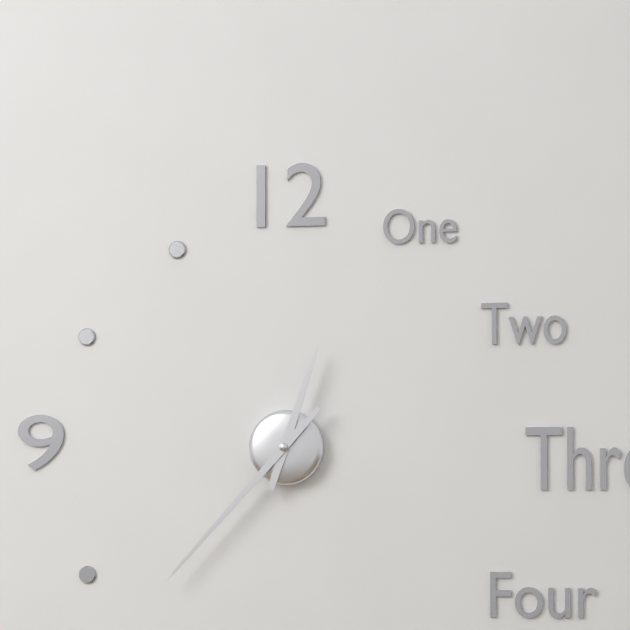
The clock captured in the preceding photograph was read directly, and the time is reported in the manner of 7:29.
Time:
12:37
